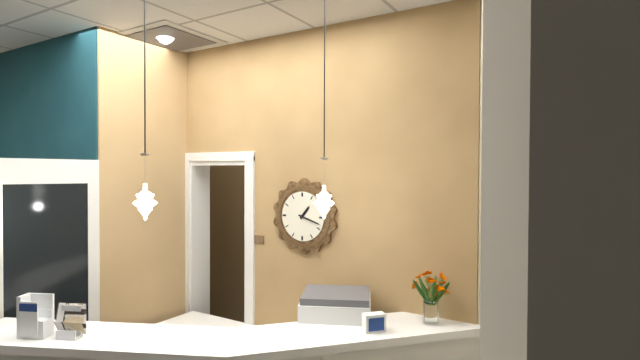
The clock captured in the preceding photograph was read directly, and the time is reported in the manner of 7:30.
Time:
1:18
